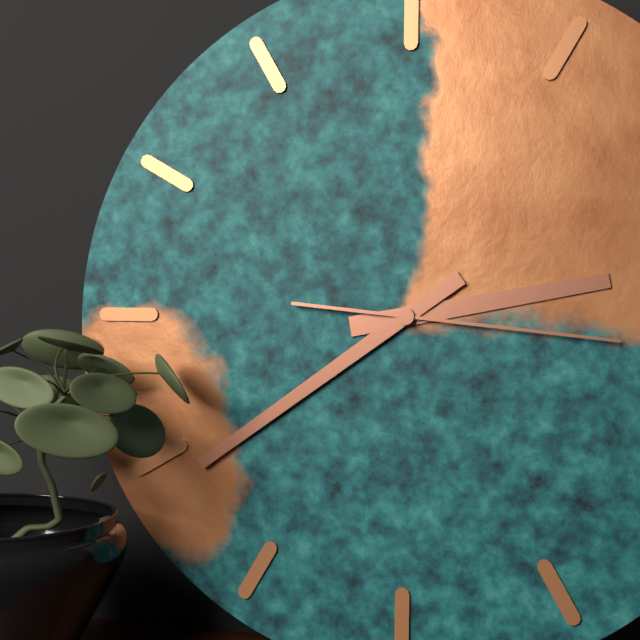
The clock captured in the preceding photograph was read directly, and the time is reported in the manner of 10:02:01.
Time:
2:39:16
